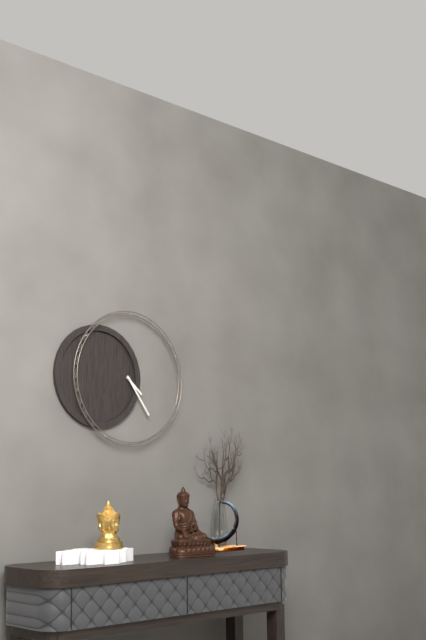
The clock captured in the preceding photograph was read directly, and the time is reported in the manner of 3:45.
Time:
4:24
